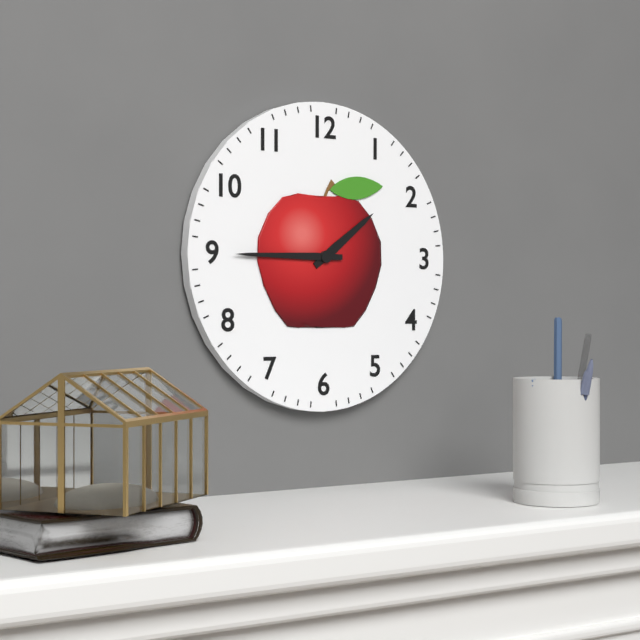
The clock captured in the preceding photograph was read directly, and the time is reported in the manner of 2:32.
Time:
1:45
